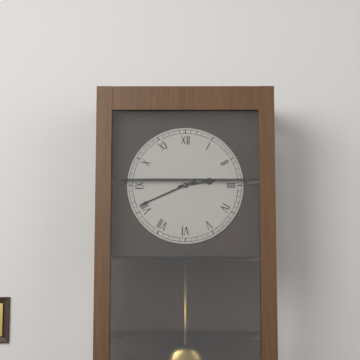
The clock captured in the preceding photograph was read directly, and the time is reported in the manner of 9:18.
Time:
2:41
